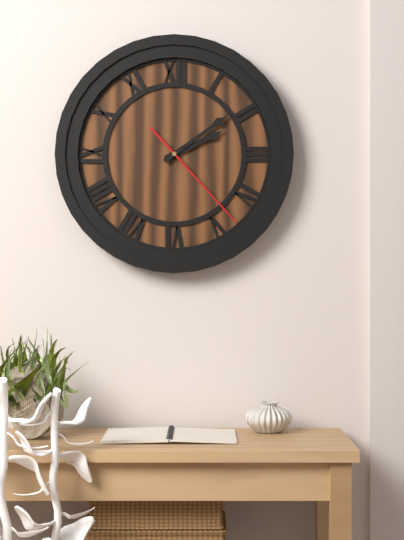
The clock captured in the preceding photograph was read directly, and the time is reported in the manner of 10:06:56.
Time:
2:09:23
